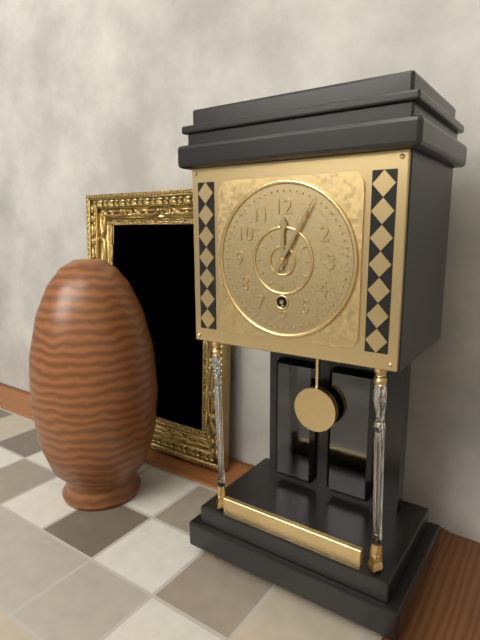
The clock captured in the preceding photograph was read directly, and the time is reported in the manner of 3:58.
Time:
12:05
